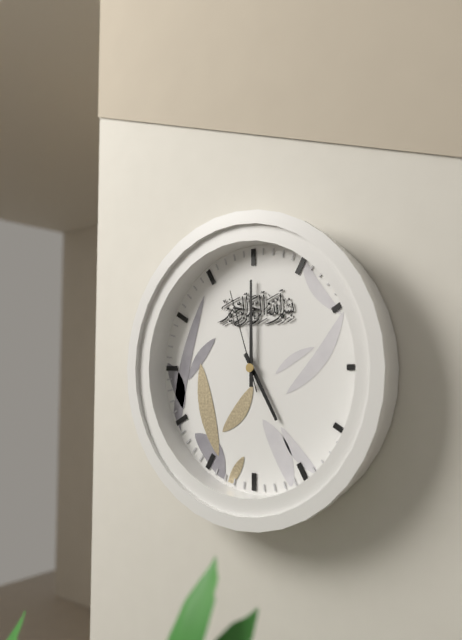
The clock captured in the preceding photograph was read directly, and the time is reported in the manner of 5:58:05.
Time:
5:00:57
